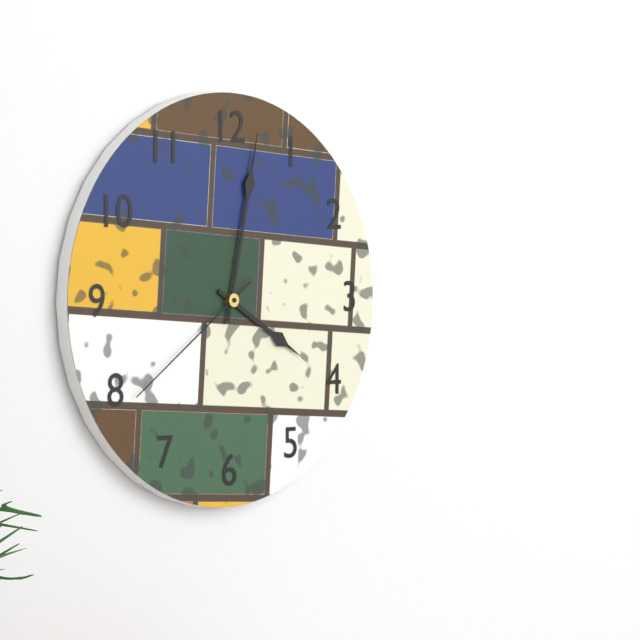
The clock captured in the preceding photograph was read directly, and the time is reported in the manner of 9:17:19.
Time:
4:02:39
